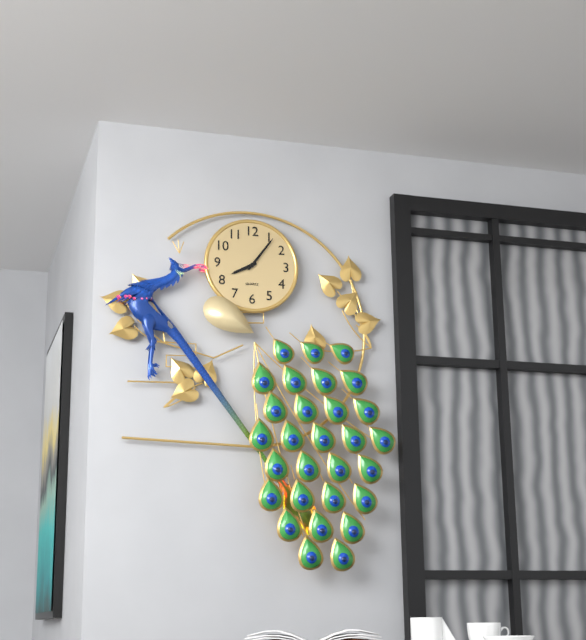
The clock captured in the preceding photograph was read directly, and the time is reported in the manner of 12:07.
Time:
8:06
